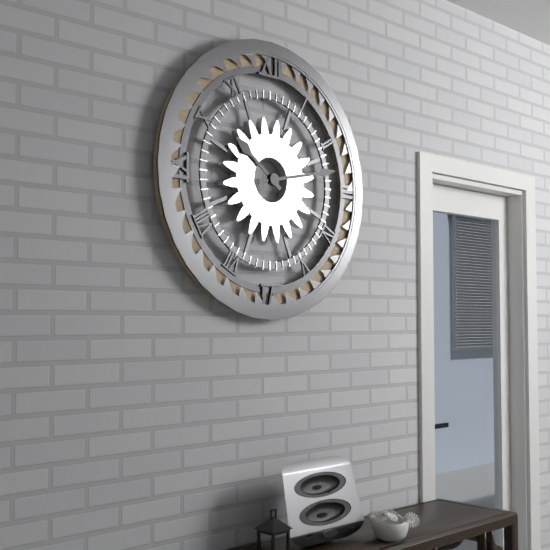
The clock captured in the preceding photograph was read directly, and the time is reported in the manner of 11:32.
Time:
10:13
